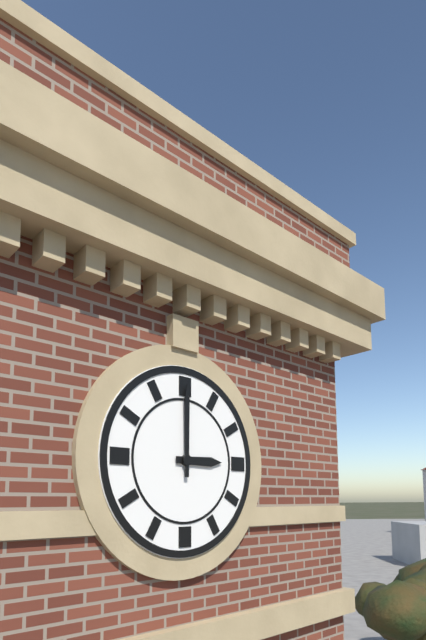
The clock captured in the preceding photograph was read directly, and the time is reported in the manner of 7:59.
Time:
3:00
